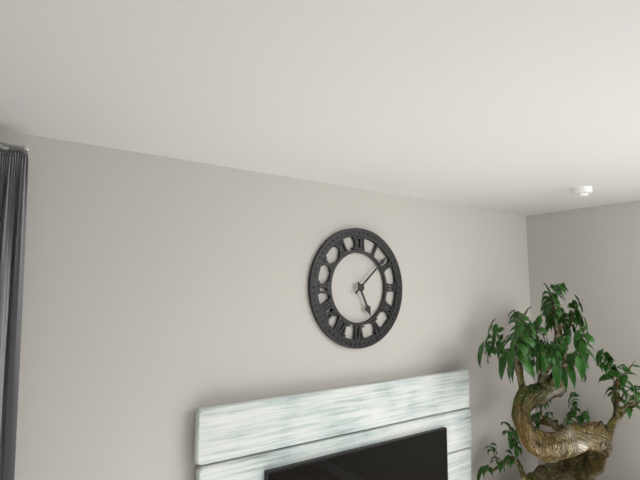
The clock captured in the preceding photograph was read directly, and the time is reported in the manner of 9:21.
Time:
5:08
